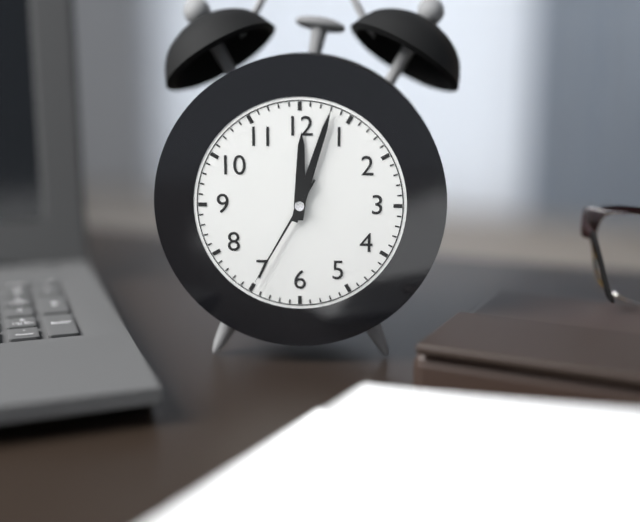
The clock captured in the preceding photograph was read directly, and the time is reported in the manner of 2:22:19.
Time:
12:03:35
